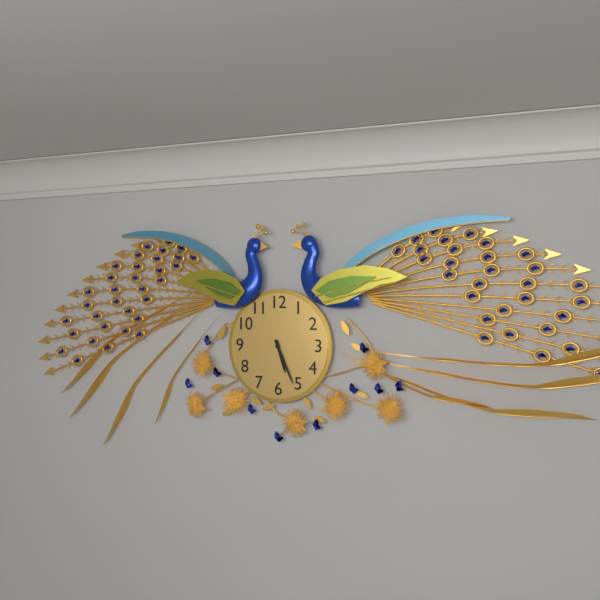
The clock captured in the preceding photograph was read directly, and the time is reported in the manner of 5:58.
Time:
5:26
